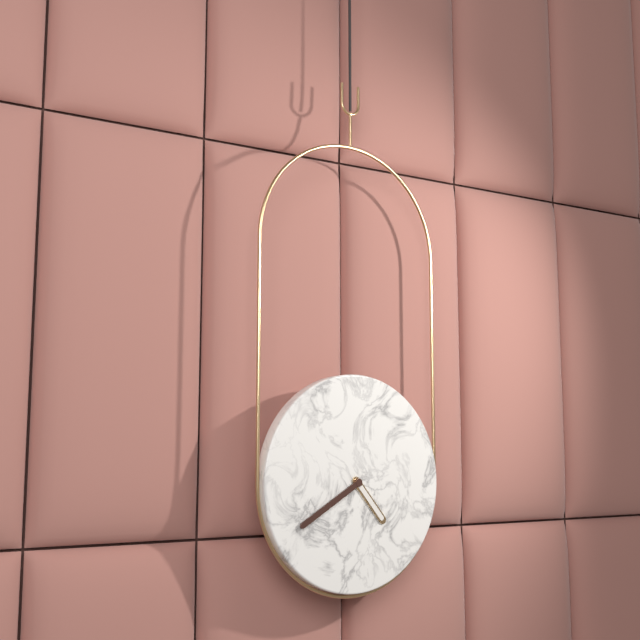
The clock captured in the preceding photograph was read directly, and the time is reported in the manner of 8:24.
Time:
4:40
